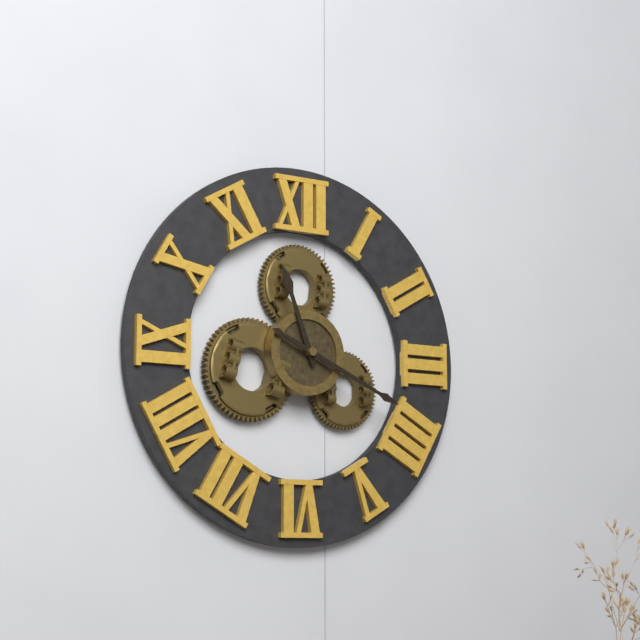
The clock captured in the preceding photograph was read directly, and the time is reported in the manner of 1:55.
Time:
11:19
